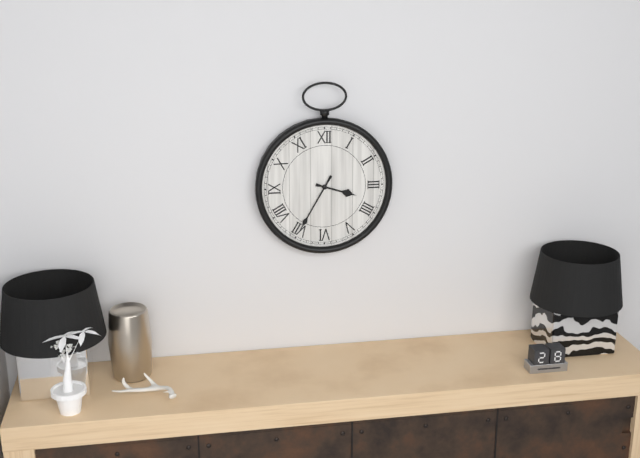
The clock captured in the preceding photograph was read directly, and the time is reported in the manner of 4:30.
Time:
3:35
